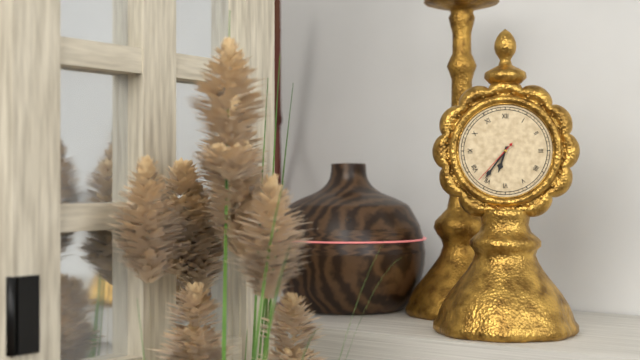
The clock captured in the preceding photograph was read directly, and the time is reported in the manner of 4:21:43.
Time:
6:36:37
